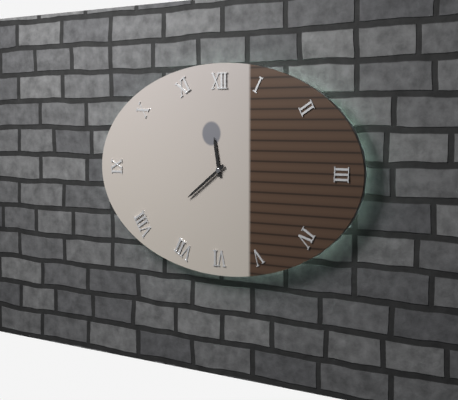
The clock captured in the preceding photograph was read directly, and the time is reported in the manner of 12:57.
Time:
11:39
